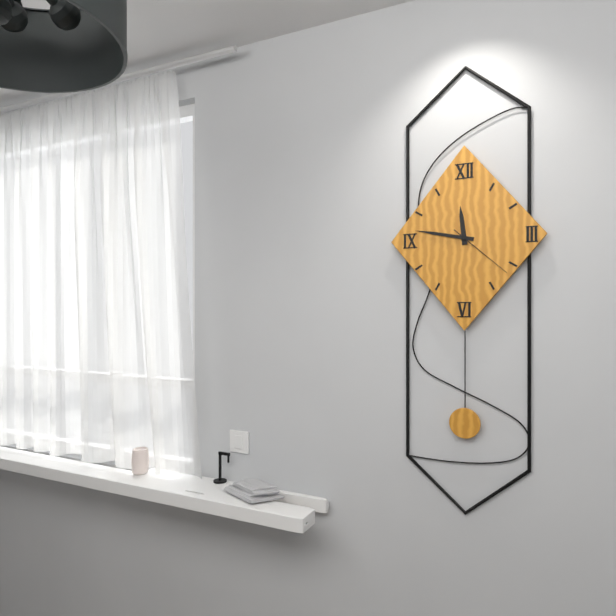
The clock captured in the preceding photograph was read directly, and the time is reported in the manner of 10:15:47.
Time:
11:47:22
